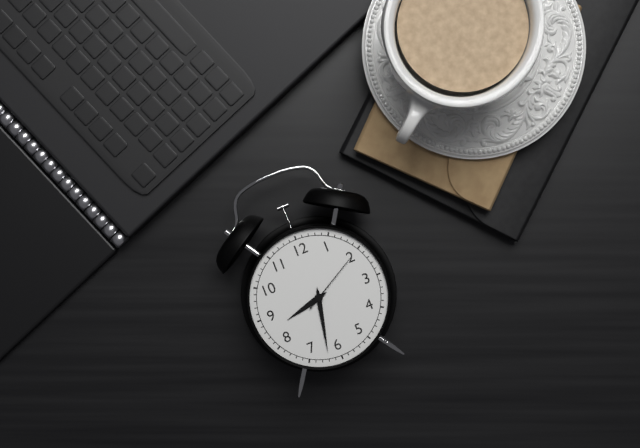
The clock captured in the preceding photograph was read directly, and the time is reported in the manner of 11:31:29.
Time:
8:32:10
